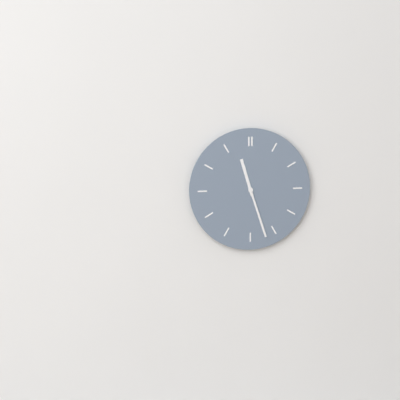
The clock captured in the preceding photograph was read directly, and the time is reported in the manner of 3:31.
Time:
11:27
